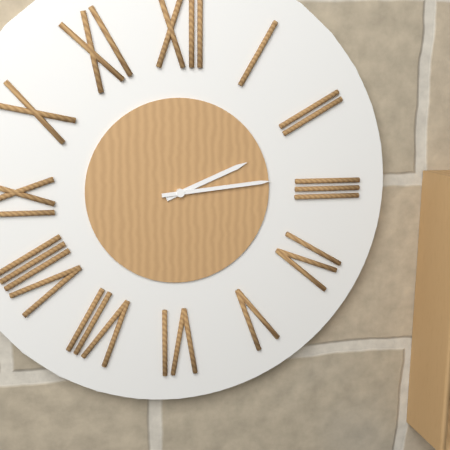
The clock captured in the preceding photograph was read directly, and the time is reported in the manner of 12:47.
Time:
2:14
